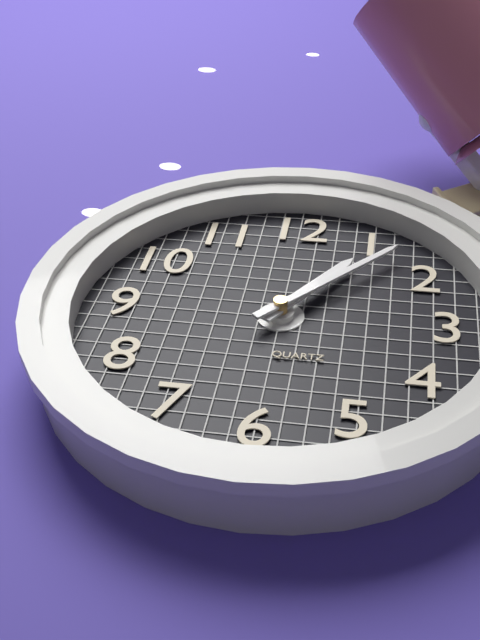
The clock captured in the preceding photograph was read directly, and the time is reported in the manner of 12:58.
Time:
1:07
